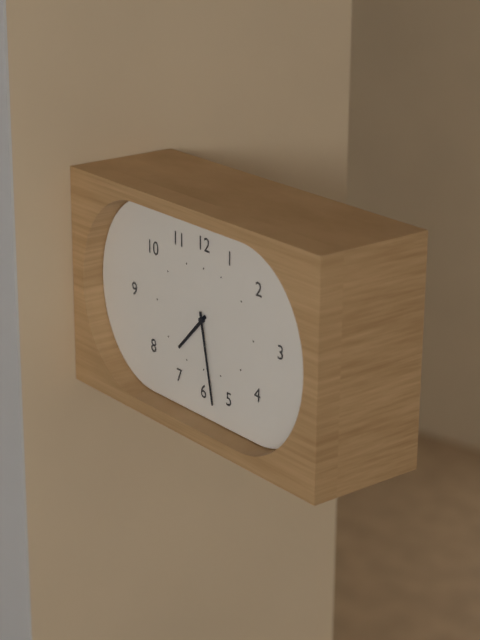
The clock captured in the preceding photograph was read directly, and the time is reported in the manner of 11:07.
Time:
7:28
